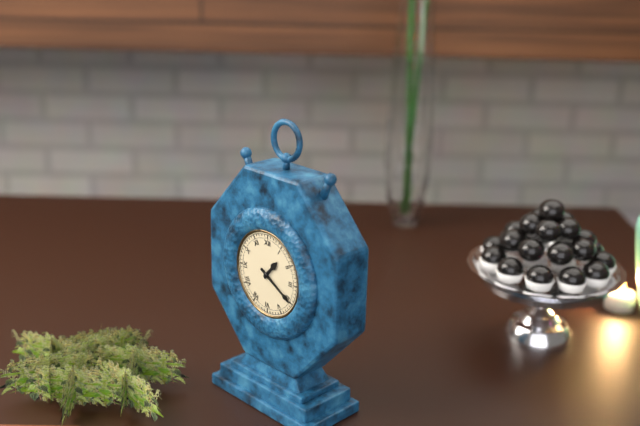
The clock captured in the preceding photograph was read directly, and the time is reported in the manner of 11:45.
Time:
1:20
